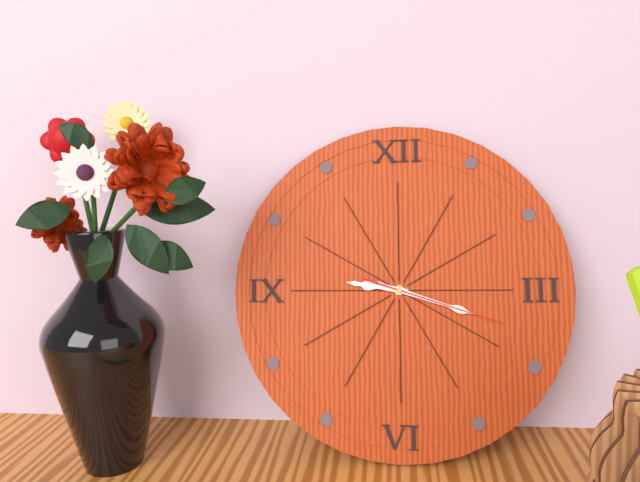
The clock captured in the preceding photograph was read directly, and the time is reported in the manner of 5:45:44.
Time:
9:18:18
